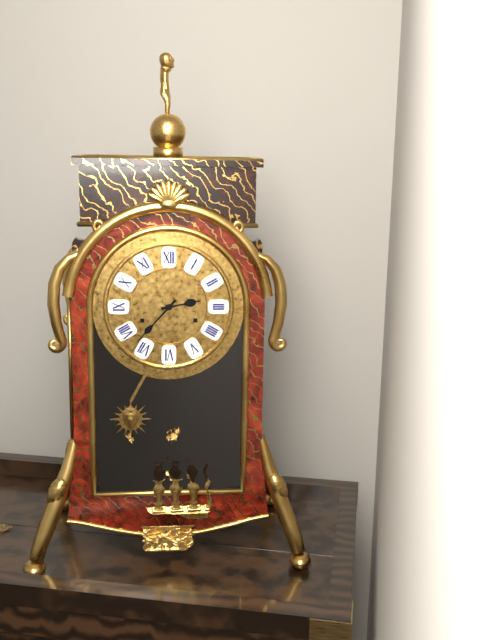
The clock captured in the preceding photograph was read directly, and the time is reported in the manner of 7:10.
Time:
2:37
